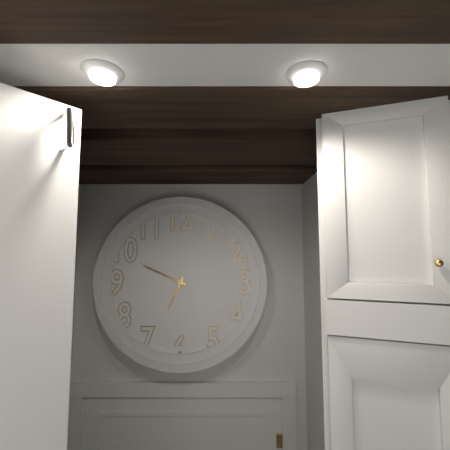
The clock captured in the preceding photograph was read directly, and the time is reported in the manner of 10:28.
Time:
6:49
